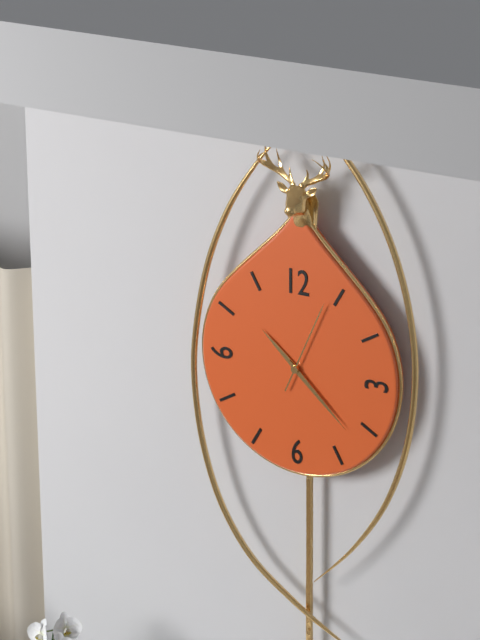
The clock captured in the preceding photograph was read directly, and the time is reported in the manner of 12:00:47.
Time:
10:22:04
